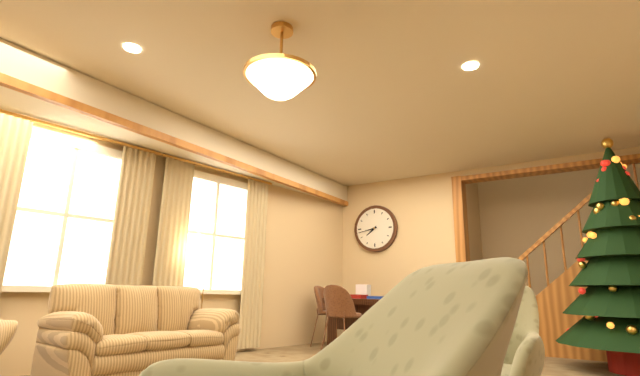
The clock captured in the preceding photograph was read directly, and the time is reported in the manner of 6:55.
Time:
7:43
